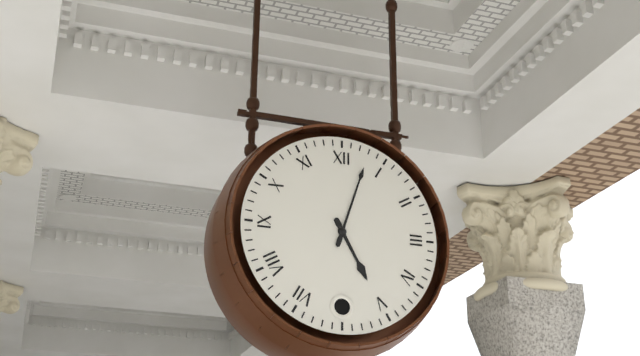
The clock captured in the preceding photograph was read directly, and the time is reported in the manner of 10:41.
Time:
5:03
